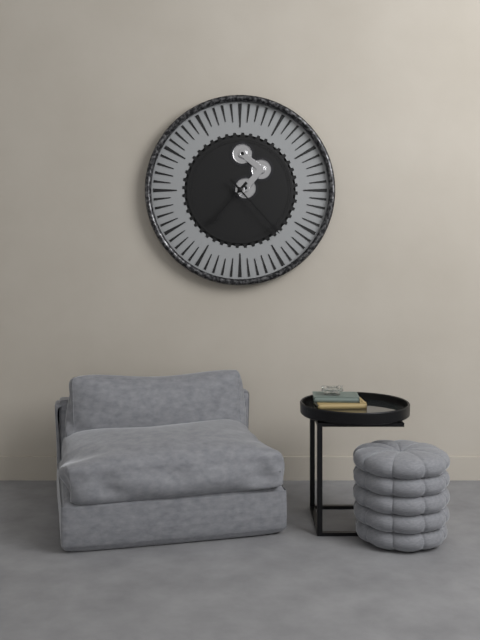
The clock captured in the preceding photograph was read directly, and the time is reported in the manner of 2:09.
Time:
7:23
